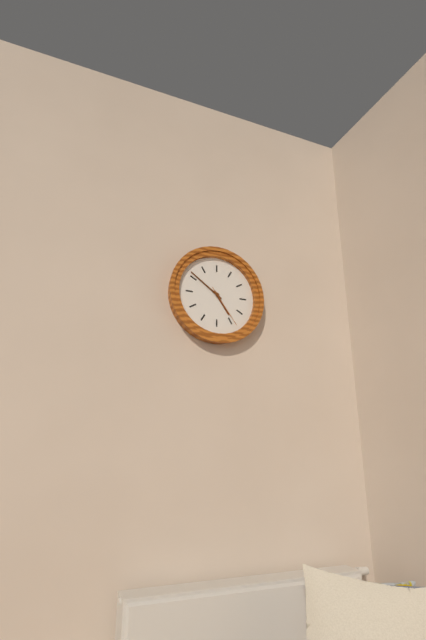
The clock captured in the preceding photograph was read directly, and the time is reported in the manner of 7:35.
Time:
4:51
